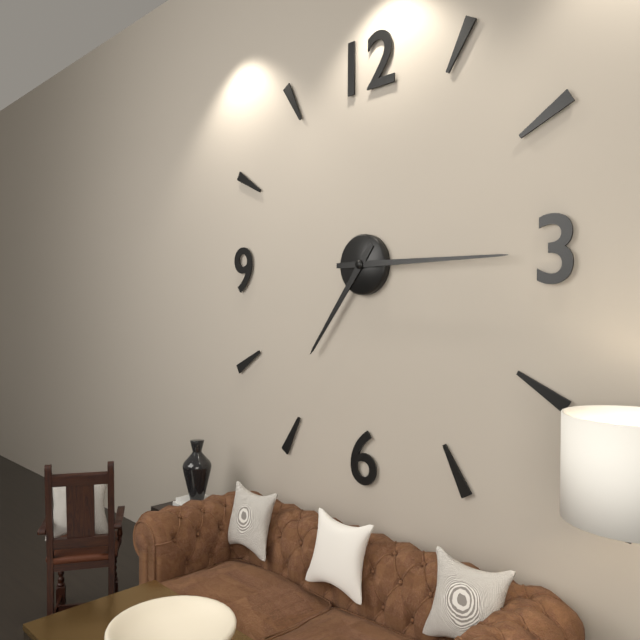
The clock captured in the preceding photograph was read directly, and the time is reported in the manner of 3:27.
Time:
7:15
